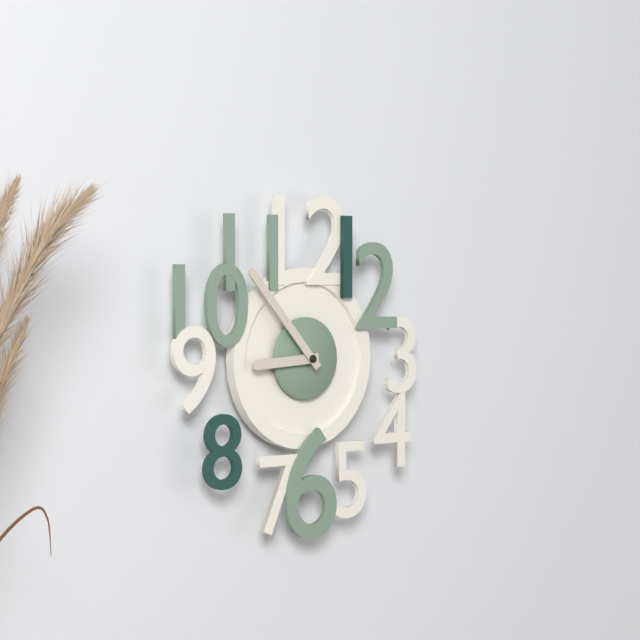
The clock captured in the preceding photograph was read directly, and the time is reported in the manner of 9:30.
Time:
8:53
